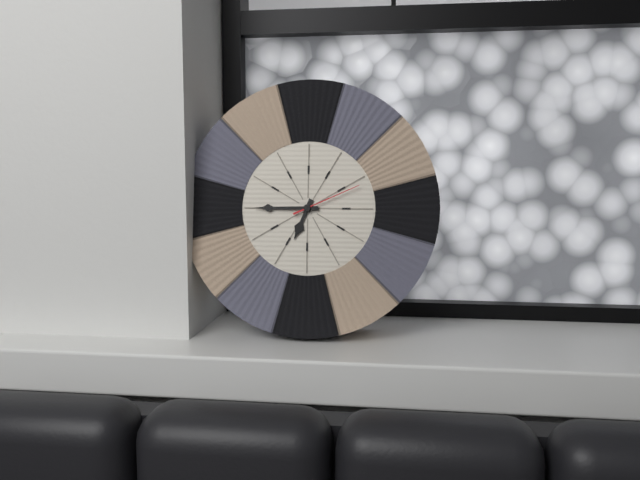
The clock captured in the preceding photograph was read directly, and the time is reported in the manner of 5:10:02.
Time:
6:45:11
